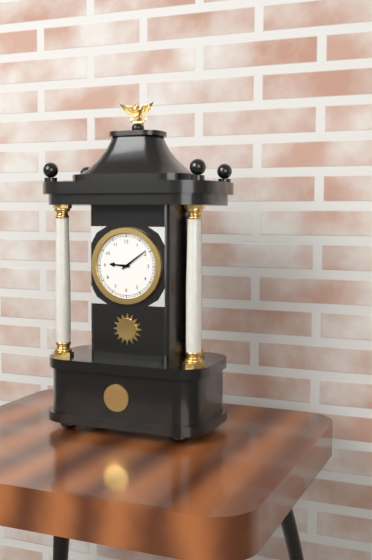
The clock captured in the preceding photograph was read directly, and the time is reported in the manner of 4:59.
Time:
9:09
